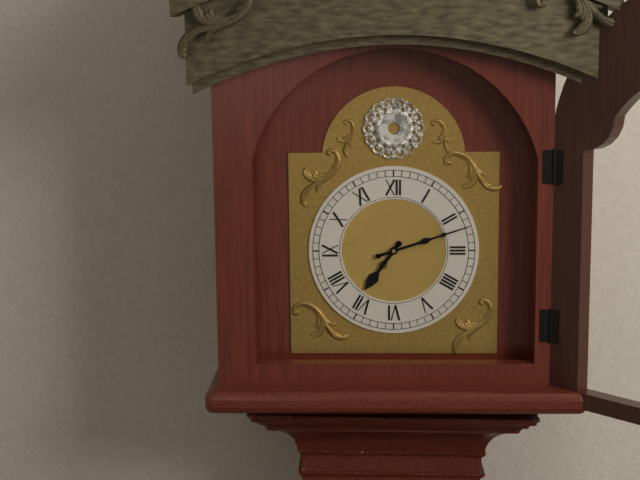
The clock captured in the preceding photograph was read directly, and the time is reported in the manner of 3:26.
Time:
7:12
